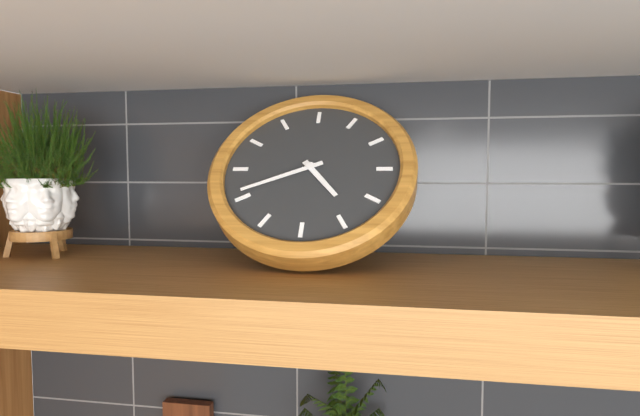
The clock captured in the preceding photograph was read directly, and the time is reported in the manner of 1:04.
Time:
4:41
